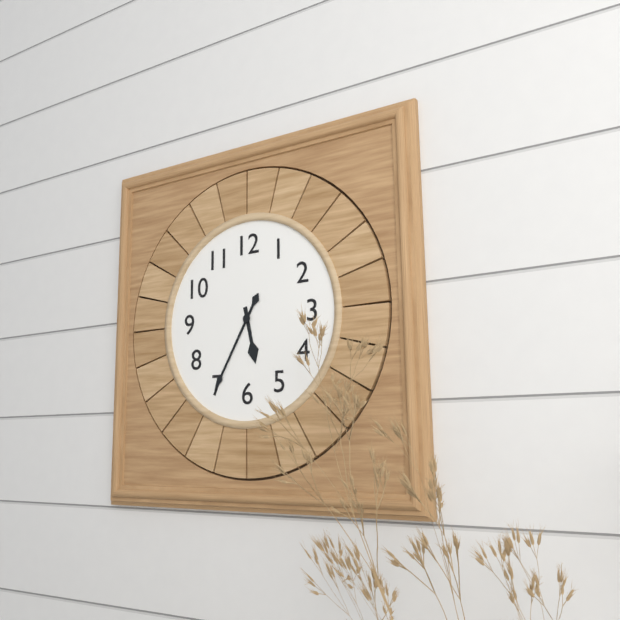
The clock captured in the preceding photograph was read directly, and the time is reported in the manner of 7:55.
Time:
5:35
